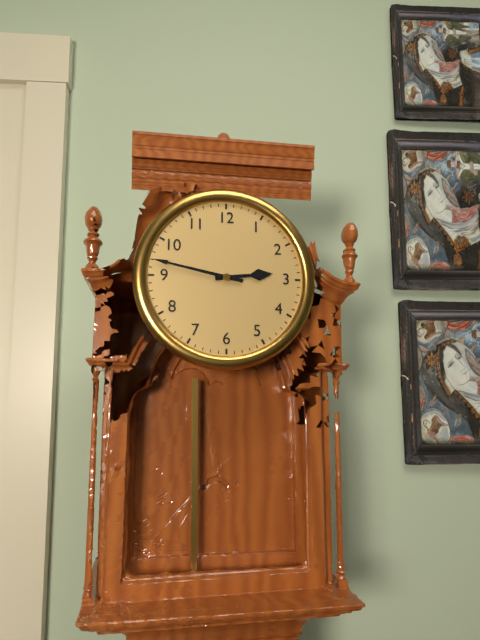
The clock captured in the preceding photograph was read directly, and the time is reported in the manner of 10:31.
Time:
2:47
